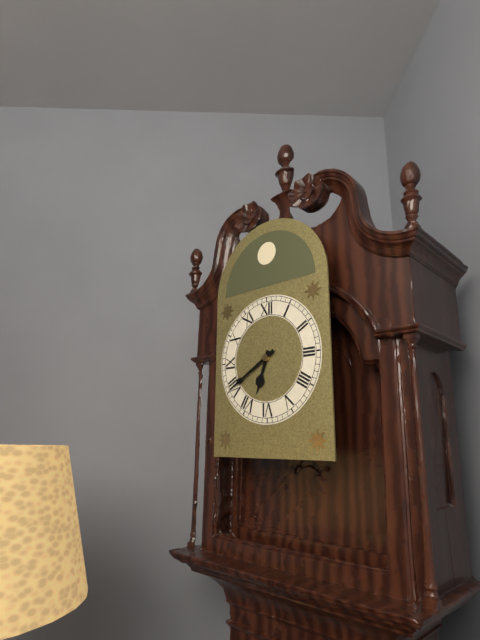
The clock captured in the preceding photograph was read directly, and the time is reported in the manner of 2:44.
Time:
6:40
